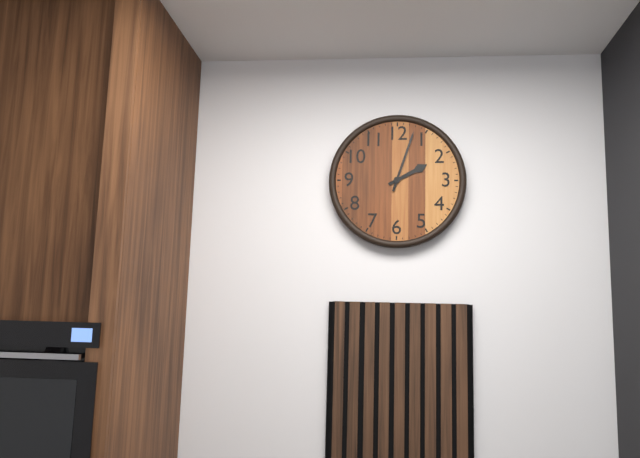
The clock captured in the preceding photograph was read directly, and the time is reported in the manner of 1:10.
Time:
2:03
